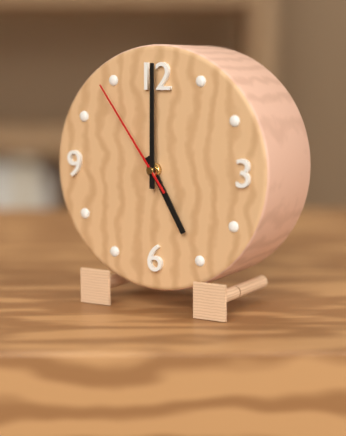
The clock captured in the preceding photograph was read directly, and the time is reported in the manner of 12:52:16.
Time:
5:00:54
